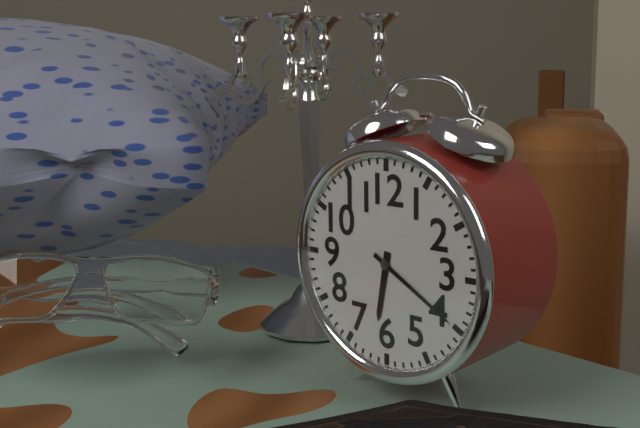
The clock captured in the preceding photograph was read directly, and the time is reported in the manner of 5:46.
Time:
6:20
